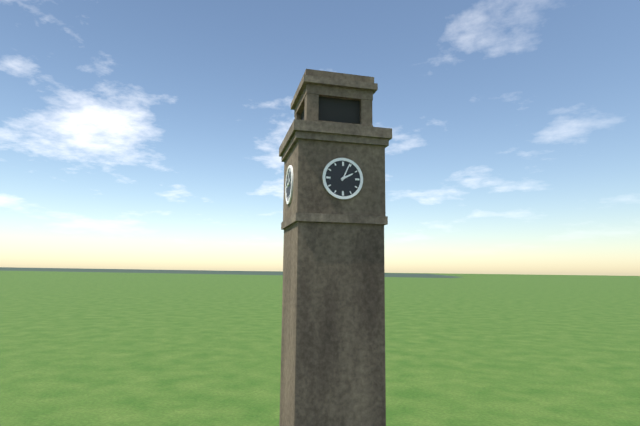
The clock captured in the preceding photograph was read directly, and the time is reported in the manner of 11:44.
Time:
2:04
